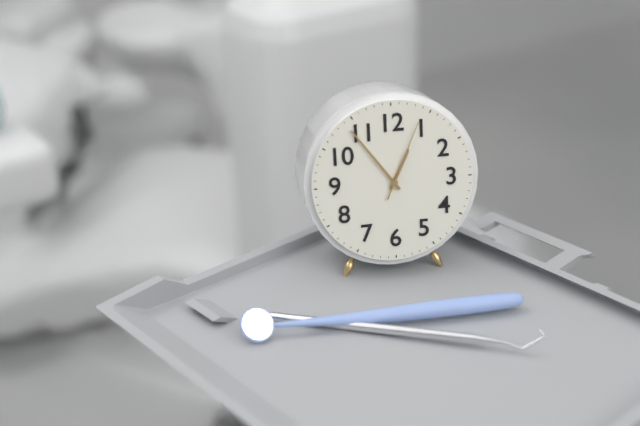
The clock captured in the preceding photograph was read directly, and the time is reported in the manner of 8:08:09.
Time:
12:54:04
